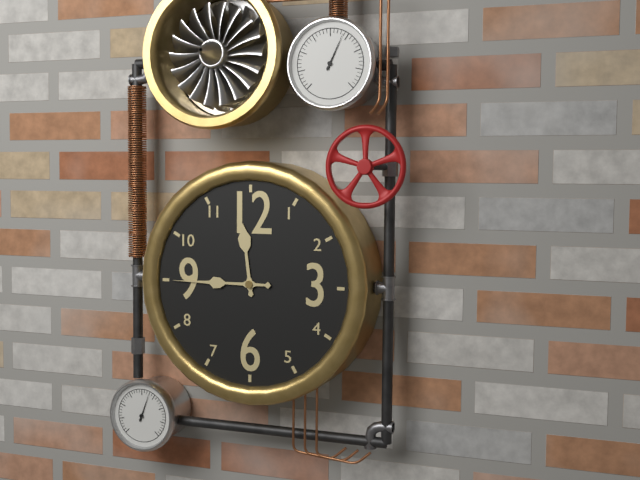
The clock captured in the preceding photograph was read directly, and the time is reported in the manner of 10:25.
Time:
11:45
